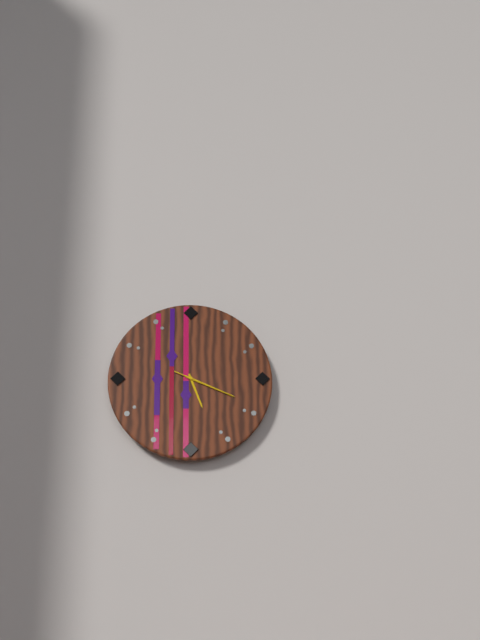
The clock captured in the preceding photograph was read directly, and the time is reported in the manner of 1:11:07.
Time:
5:19:19
